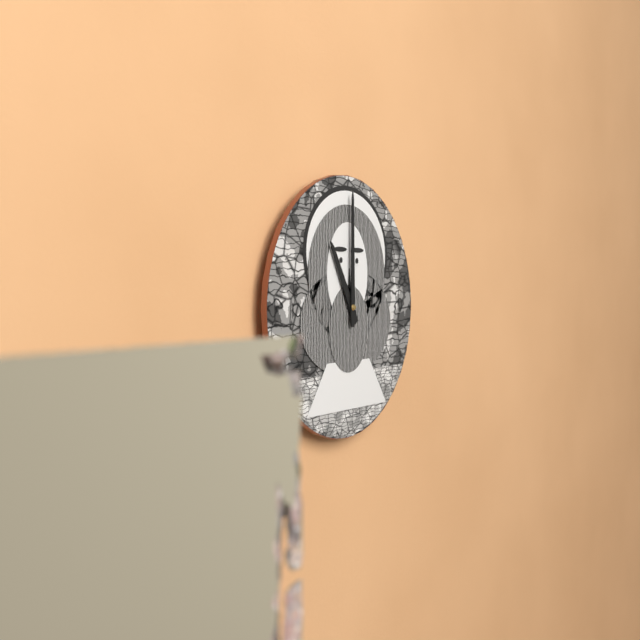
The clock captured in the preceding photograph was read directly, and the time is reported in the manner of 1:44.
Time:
11:00
